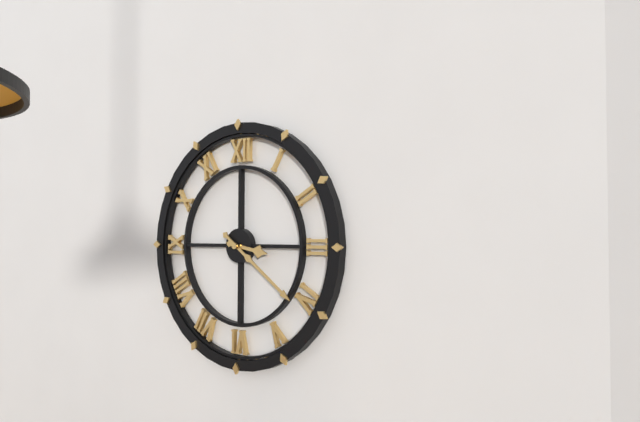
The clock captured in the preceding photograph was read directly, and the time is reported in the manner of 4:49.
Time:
3:21
